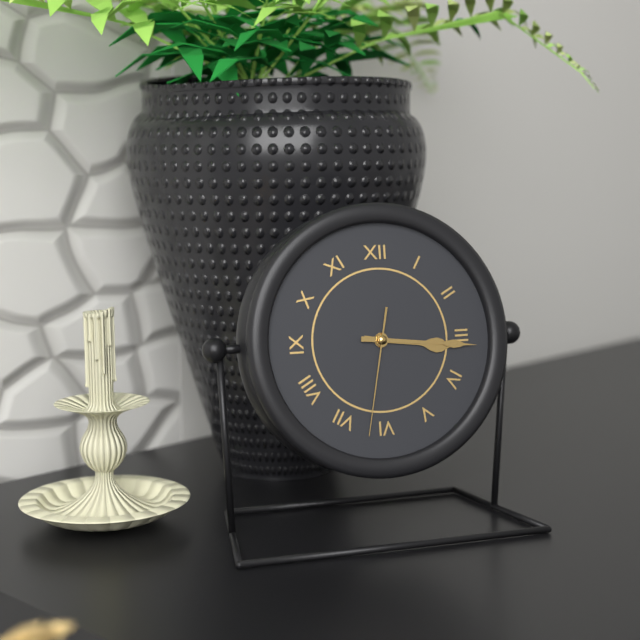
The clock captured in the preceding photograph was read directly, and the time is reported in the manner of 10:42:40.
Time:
3:16:32
